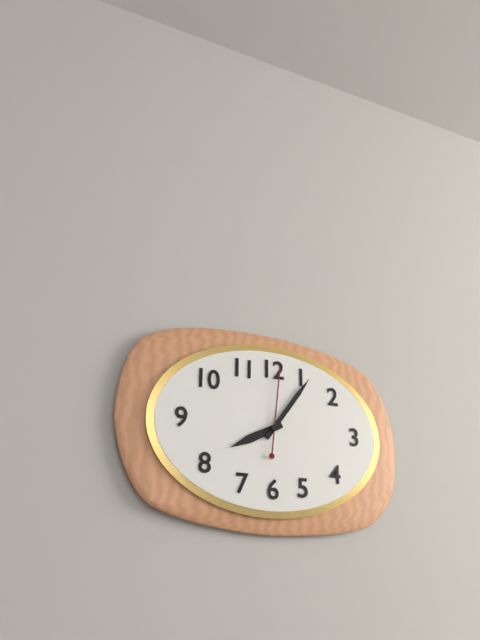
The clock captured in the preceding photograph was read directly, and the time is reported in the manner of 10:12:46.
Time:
8:06:01
